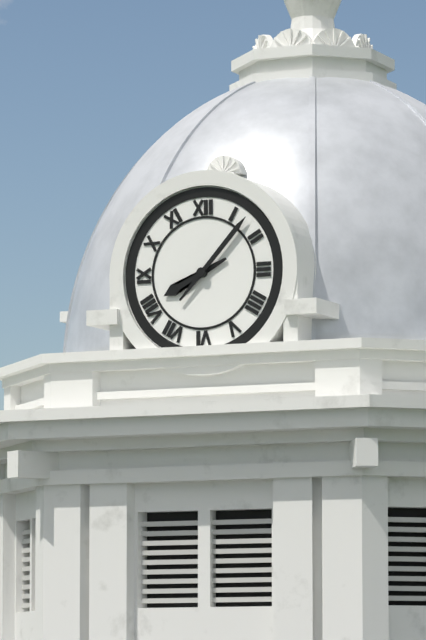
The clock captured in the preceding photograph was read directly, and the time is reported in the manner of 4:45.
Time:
8:07
